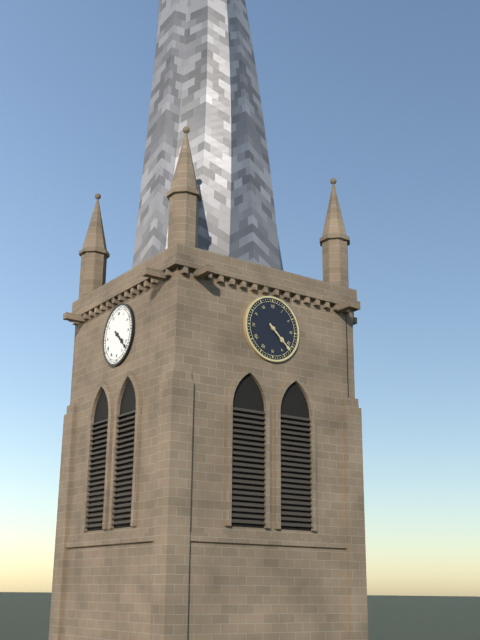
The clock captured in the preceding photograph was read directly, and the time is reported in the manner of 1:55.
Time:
4:22
